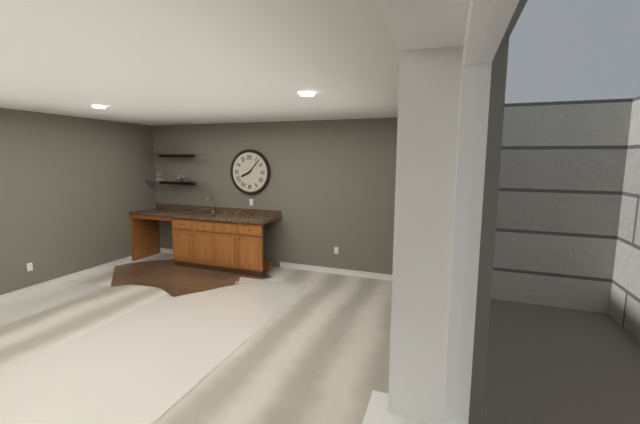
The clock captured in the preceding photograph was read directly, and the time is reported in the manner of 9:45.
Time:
8:07
